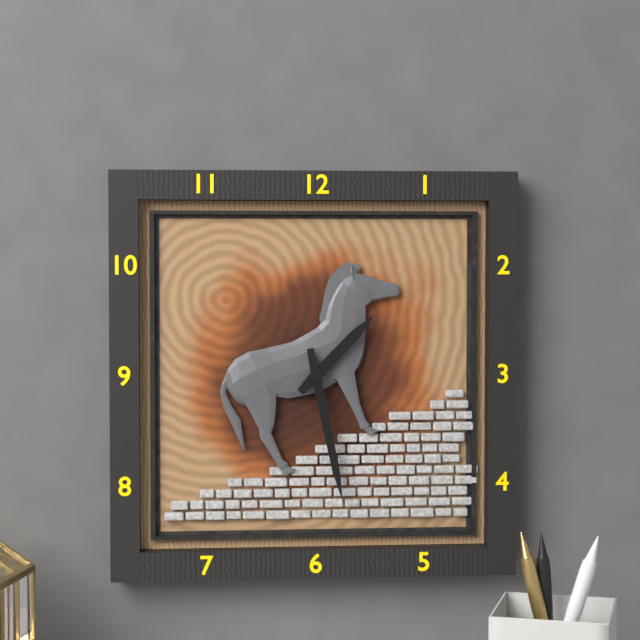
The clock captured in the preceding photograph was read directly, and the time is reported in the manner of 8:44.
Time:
1:28
